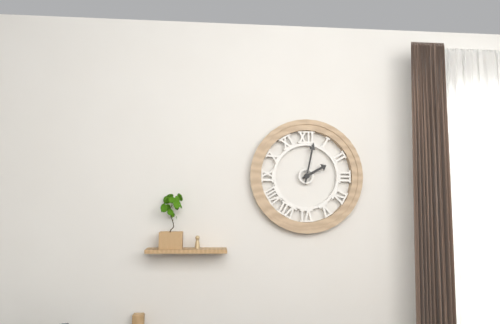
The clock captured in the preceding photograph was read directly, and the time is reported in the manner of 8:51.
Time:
2:02
